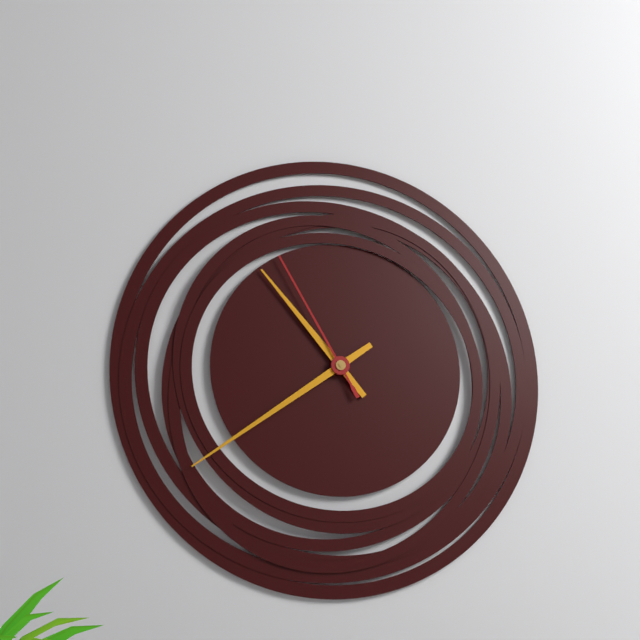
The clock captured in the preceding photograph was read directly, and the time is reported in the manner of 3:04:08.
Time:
10:39:55
